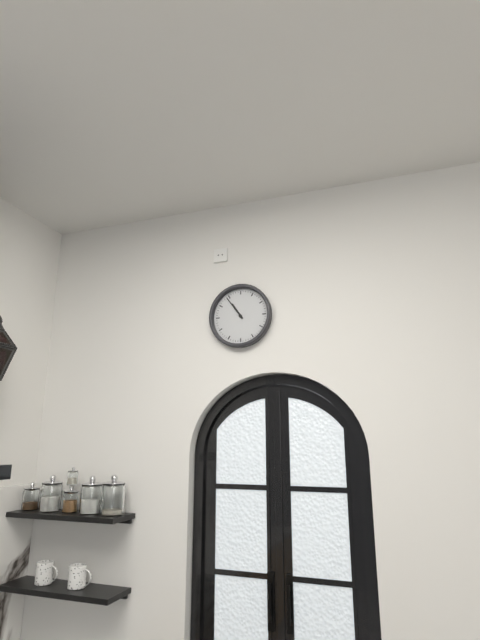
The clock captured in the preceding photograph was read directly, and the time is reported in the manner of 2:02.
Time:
10:54
